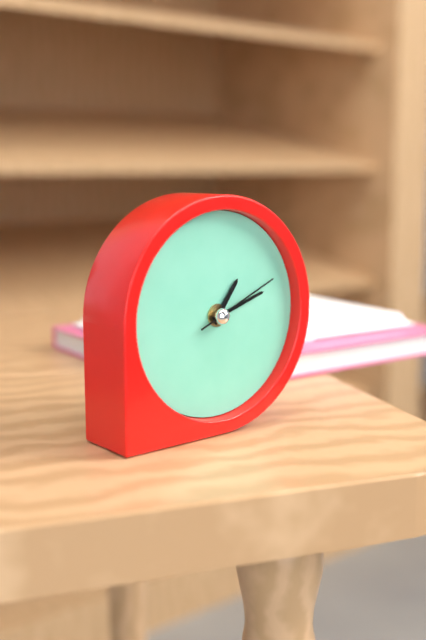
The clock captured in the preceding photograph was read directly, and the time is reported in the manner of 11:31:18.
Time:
1:12:11
